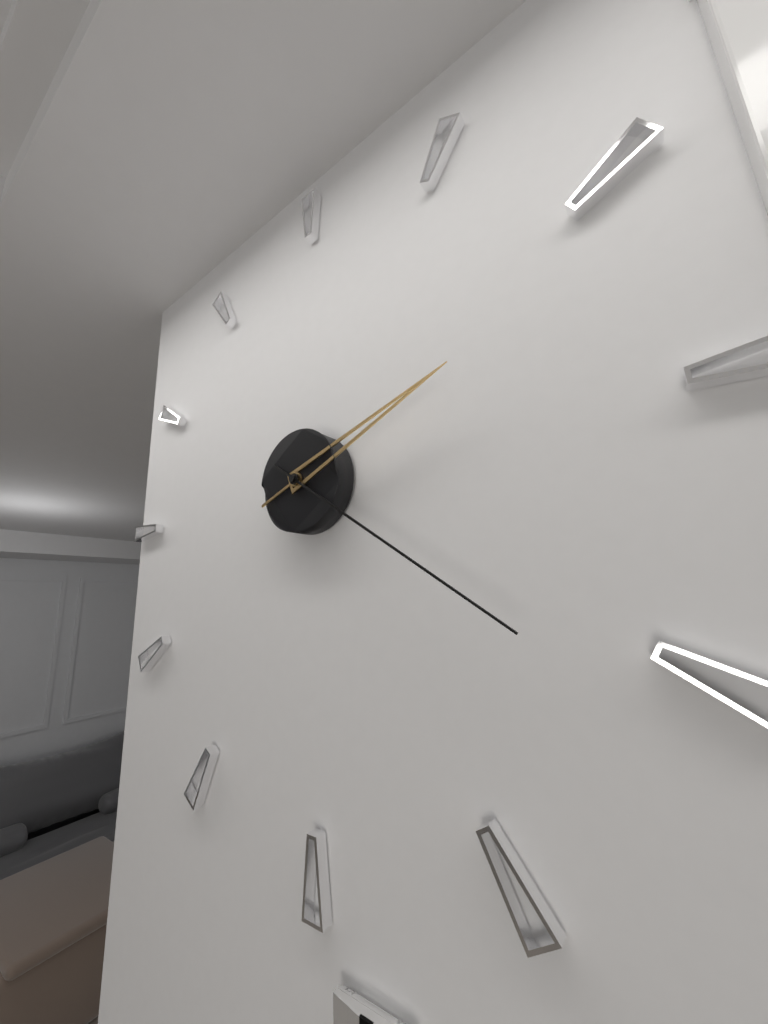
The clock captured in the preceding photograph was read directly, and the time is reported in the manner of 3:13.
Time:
2:21
